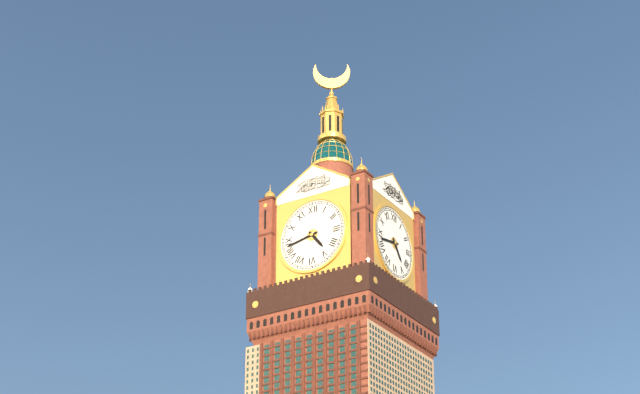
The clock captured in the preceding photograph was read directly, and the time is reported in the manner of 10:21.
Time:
4:43
